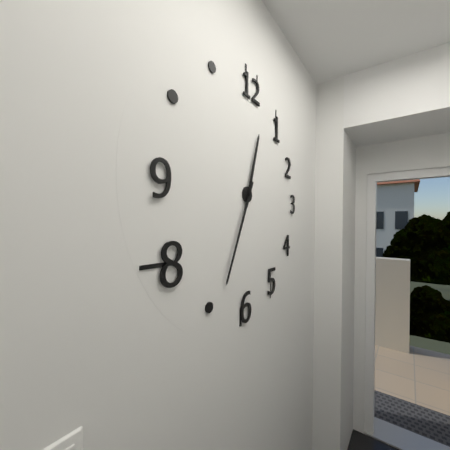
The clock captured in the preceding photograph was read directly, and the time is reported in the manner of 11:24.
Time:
12:34
